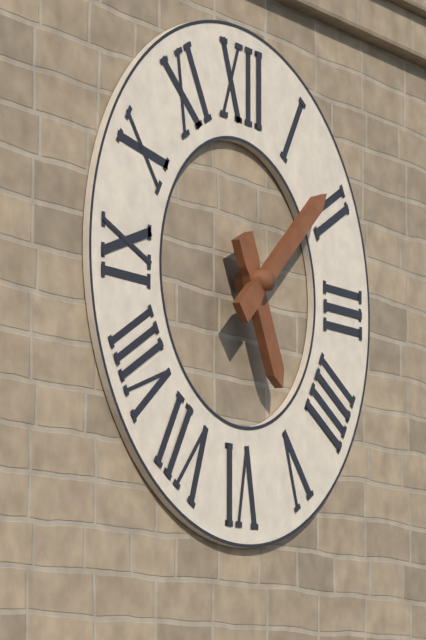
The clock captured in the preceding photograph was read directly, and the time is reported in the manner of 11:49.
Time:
5:08
